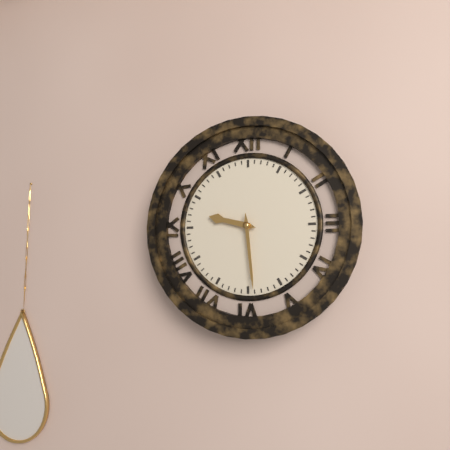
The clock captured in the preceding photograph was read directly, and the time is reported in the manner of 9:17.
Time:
9:29
